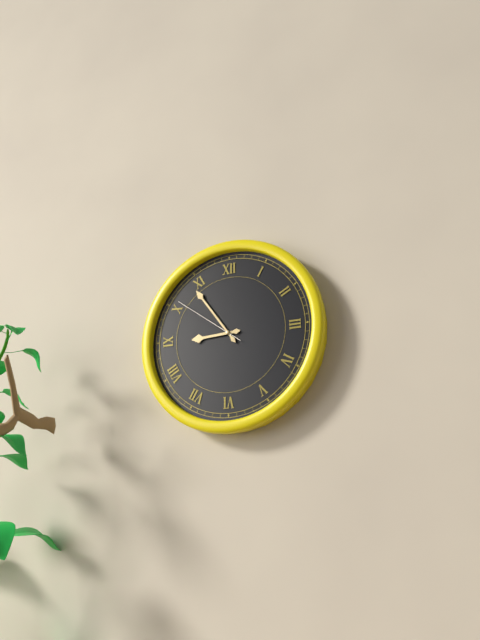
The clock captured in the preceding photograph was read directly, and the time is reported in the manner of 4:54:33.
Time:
8:54:51
